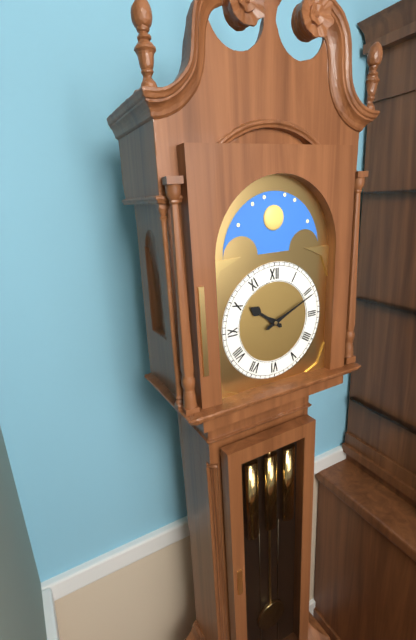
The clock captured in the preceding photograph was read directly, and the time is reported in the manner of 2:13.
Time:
10:11
